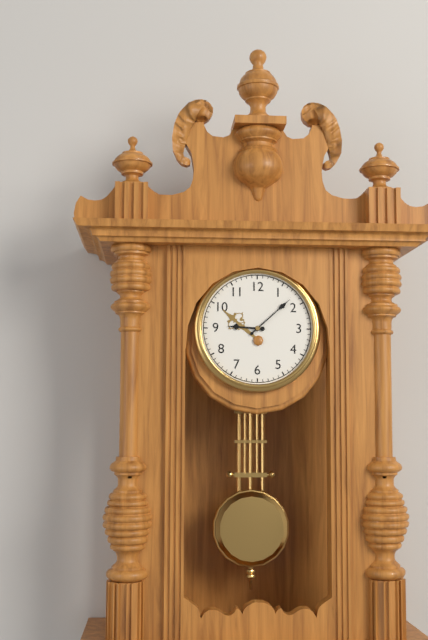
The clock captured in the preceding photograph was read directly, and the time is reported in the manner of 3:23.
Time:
9:08
